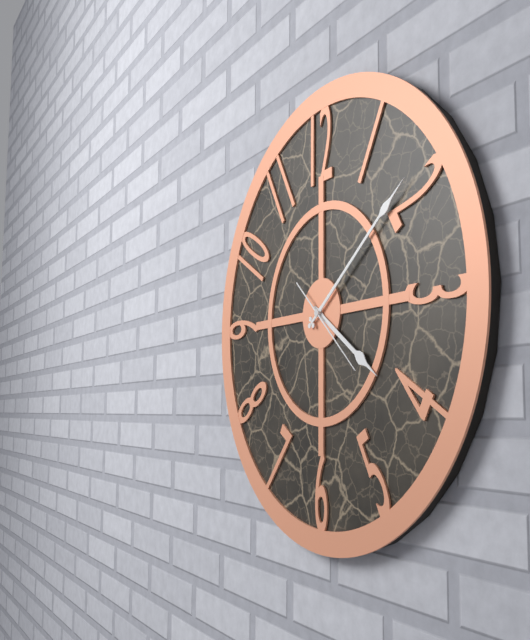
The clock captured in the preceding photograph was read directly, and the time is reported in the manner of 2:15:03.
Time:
4:09:22
